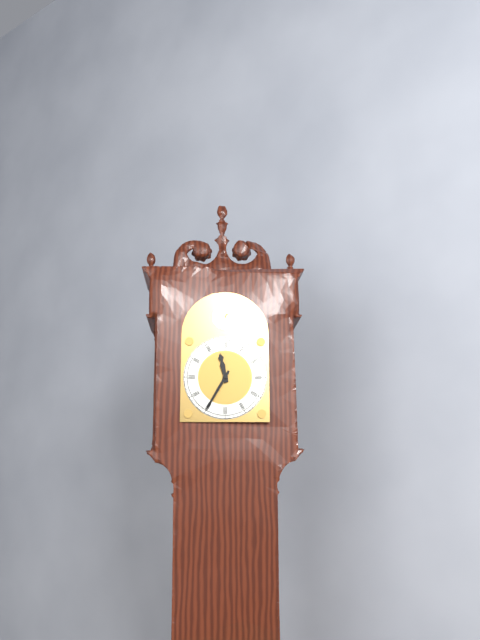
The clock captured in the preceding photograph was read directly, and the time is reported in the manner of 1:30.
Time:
11:35
